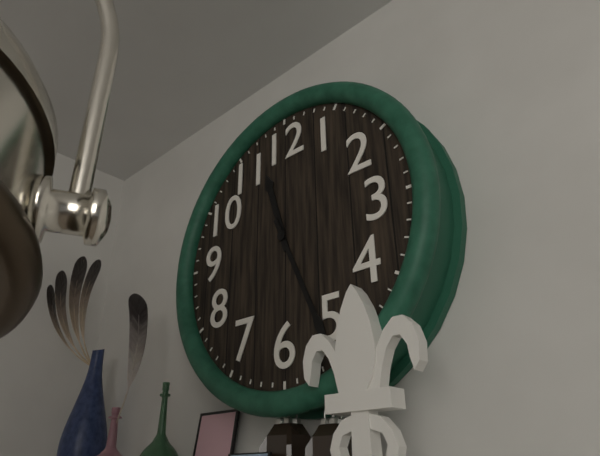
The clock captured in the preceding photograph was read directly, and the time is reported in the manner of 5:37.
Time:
11:26
